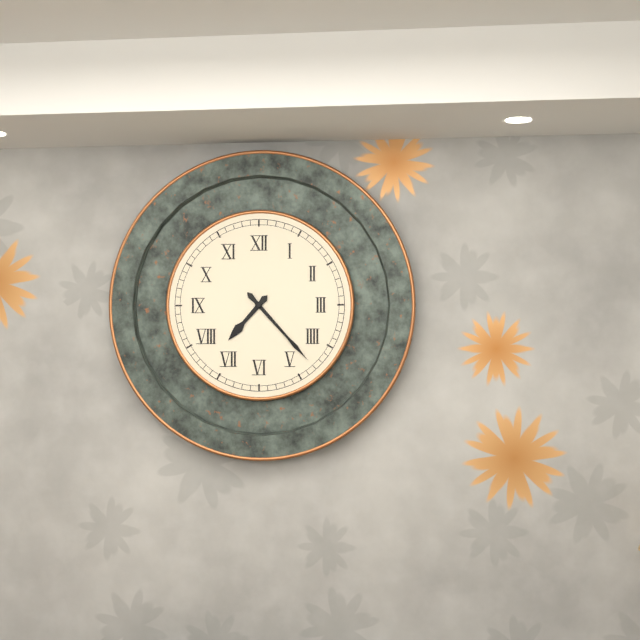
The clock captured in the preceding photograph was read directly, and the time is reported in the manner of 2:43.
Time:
7:23
